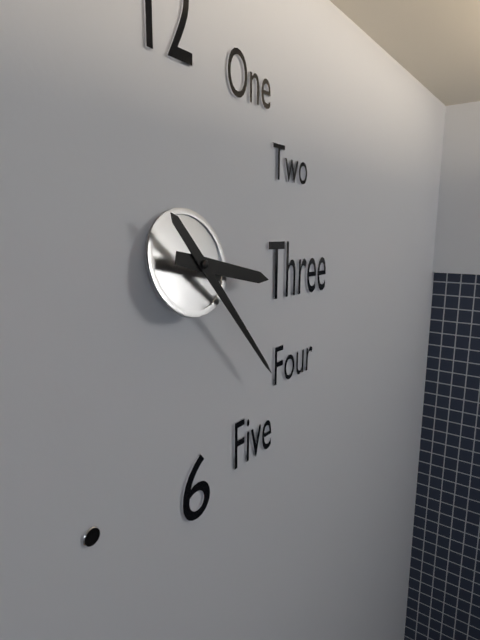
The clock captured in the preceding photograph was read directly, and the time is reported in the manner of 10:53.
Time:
3:23
